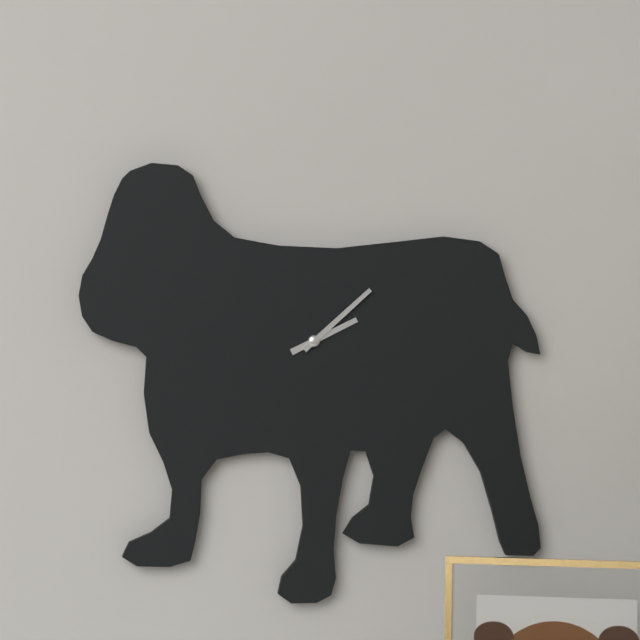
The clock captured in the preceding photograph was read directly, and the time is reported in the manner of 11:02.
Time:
2:08
